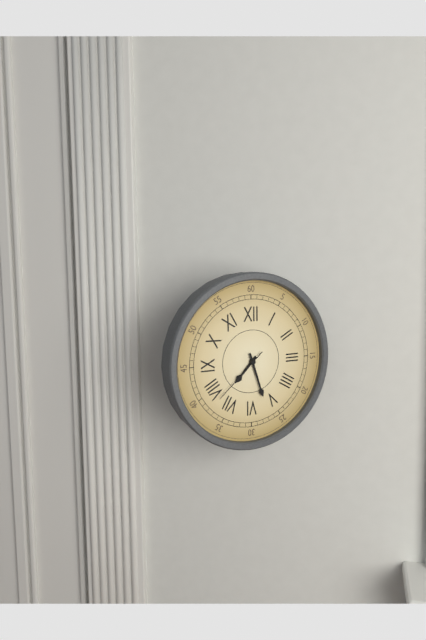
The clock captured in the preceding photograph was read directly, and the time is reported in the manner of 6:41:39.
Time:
7:27:38
